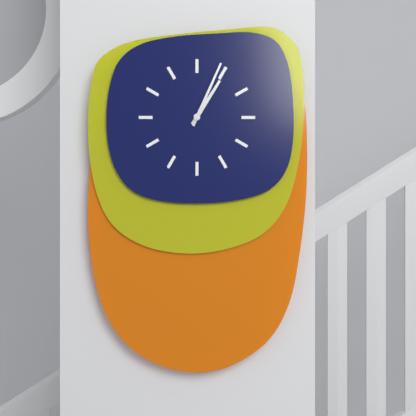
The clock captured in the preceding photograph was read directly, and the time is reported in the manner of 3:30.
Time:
1:04
